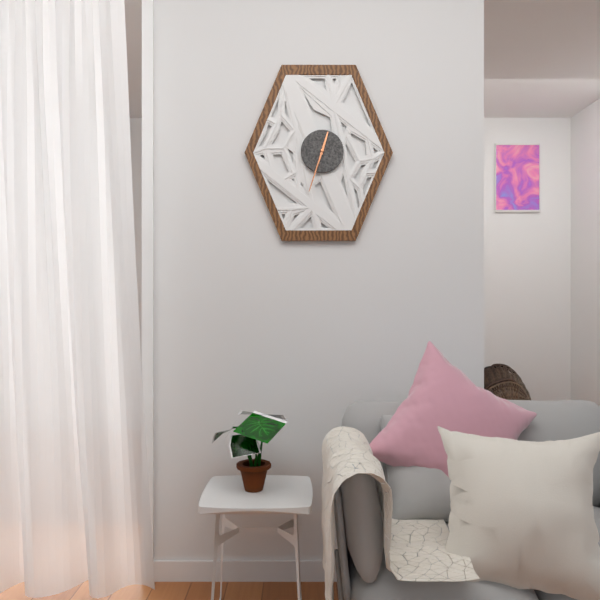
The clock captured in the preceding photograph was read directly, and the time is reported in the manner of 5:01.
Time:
12:33
